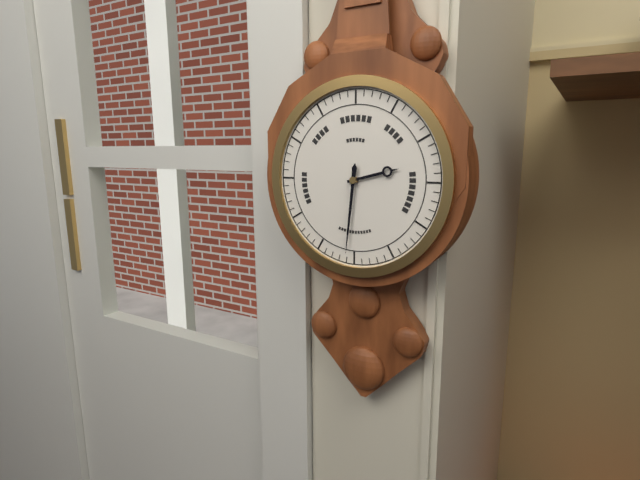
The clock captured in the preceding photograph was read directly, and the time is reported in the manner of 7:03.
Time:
2:31
